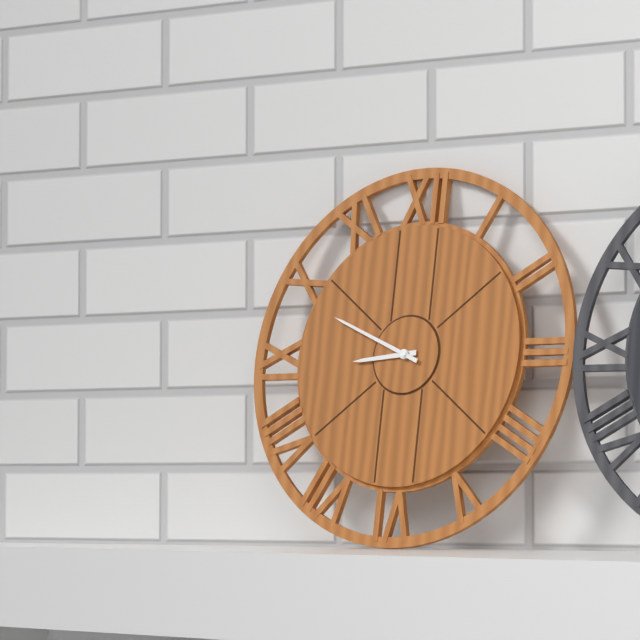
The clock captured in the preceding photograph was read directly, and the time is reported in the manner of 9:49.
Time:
8:49
